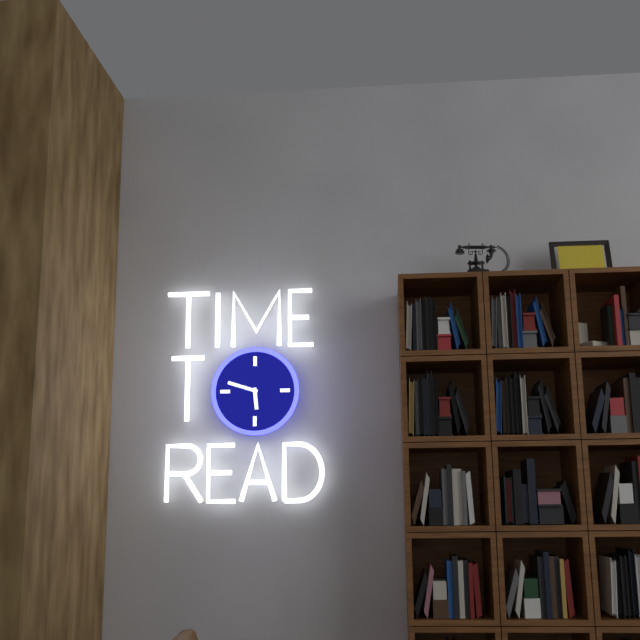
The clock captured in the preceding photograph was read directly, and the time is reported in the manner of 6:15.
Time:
5:48
